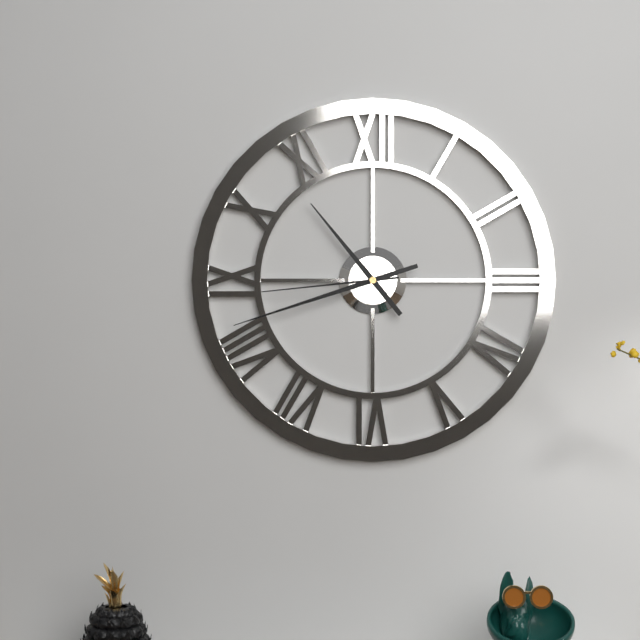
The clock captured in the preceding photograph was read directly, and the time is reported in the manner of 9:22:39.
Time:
10:42:44
